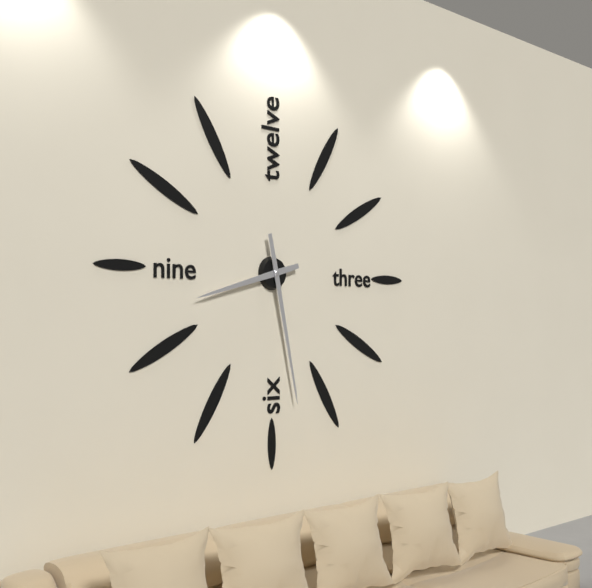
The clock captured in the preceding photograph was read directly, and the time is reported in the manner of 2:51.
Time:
8:28
